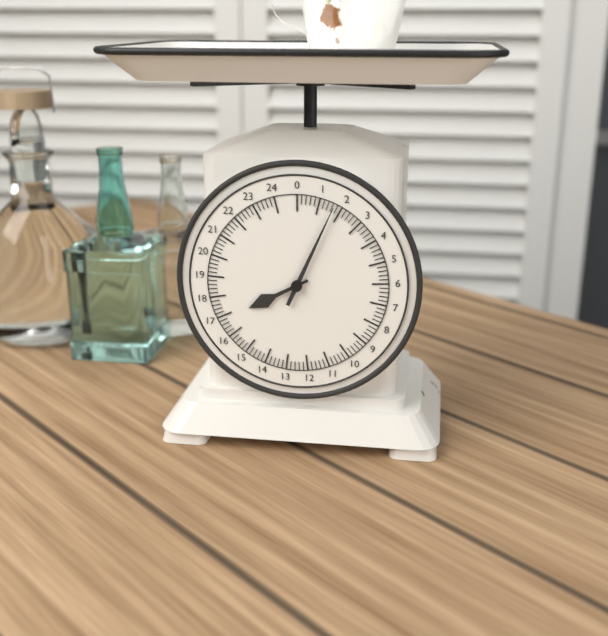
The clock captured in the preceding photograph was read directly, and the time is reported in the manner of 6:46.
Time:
8:04
